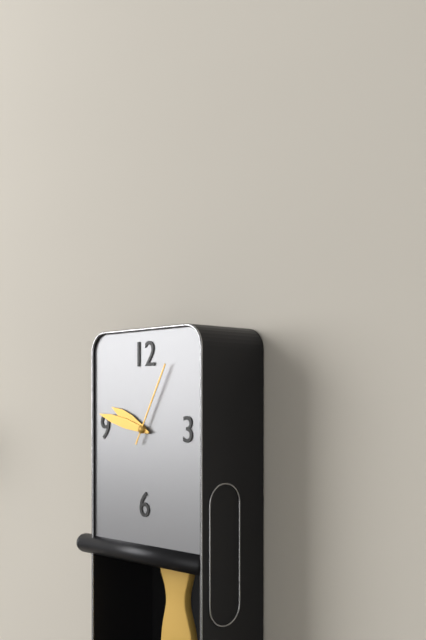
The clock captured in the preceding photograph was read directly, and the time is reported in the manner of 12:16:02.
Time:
9:47:05
